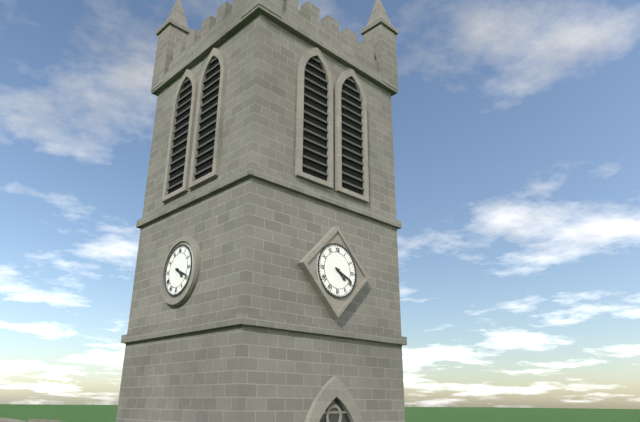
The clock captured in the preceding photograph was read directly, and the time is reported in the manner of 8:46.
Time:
4:19
